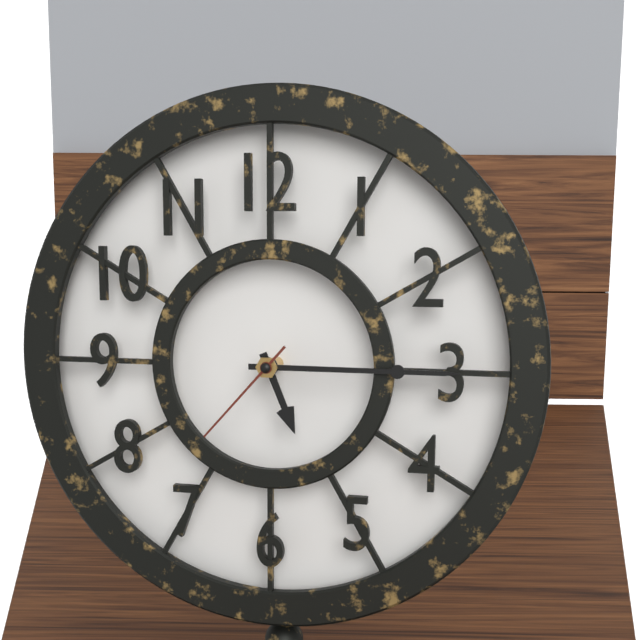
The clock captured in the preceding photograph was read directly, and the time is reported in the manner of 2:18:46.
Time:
5:15:37
